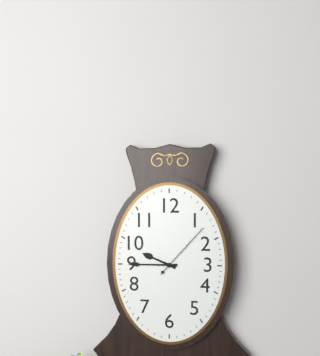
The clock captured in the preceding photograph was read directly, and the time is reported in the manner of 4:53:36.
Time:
9:45:07
